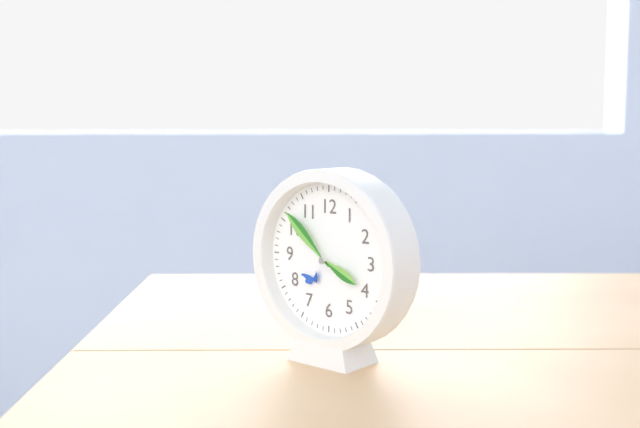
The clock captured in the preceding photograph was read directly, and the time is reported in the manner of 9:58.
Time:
3:52
